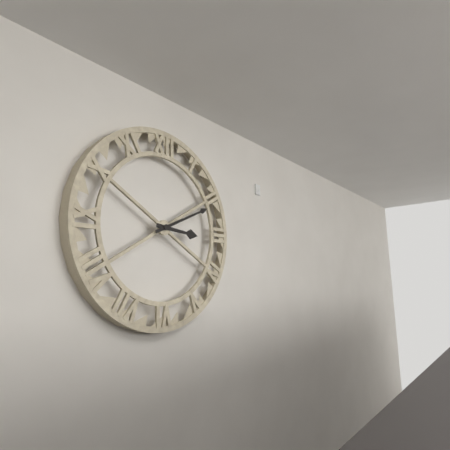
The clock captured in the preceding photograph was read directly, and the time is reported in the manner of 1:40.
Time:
3:11
